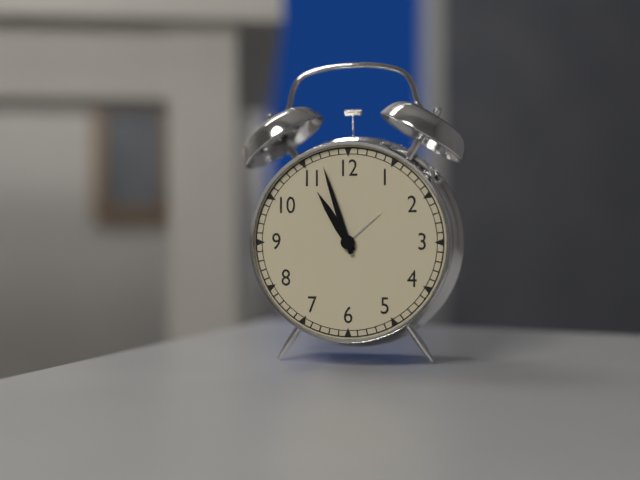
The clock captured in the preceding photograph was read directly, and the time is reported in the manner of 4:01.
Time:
10:57
